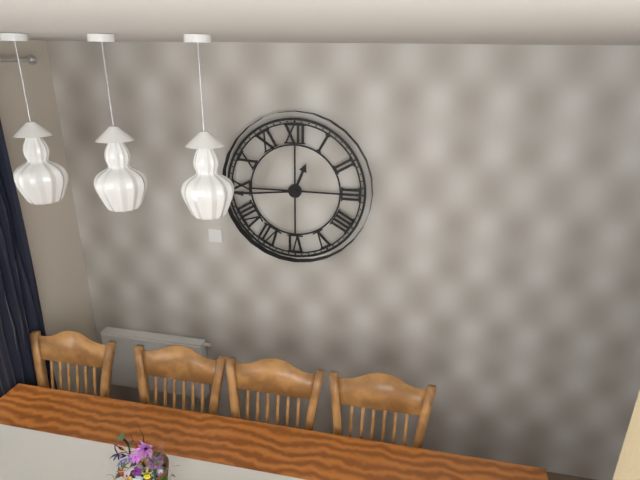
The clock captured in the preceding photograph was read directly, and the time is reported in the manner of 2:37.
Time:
12:44
